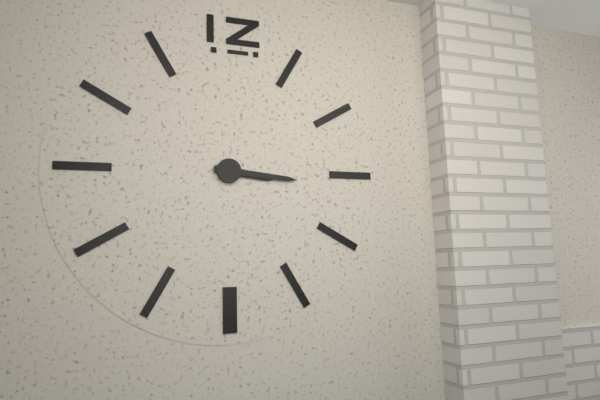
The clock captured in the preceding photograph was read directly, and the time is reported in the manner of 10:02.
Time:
3:16
